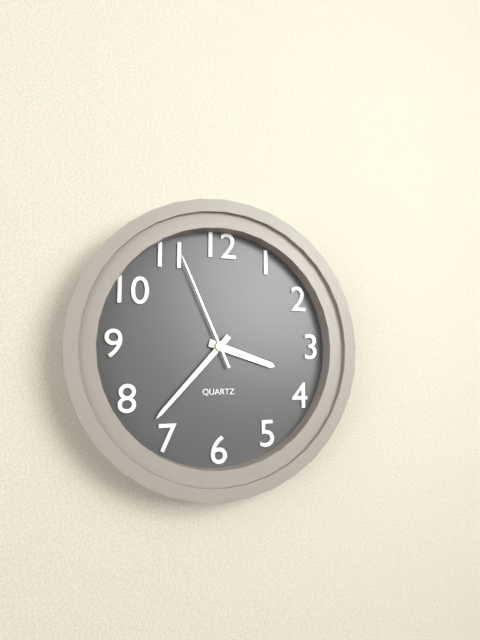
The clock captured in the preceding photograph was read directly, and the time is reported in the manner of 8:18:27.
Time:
3:37:56
